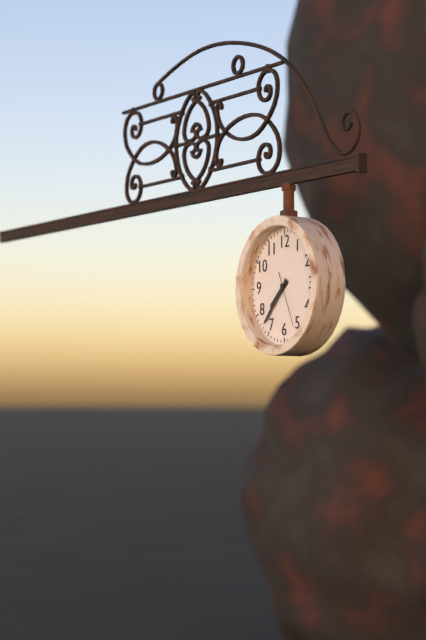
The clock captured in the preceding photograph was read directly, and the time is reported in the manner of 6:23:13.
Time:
7:37:26
